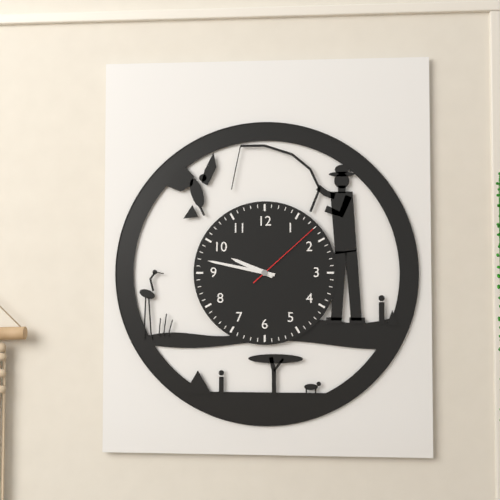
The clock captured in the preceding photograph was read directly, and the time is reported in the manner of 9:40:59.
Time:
9:47:08
